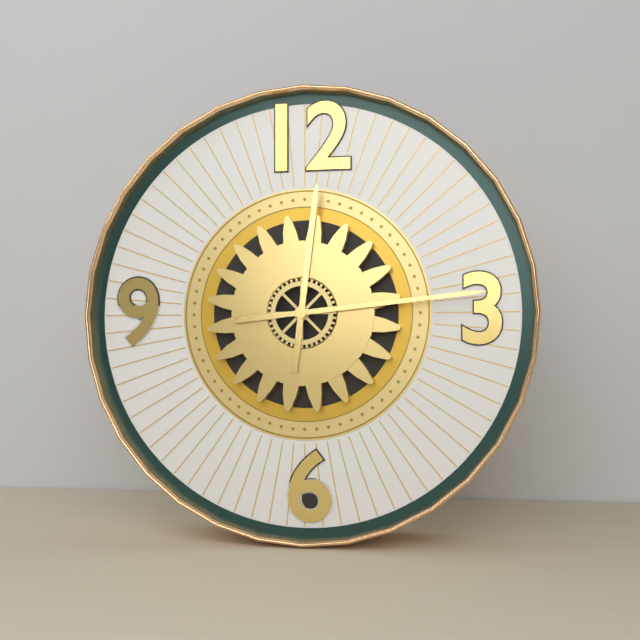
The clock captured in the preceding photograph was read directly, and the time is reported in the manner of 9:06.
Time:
12:14
